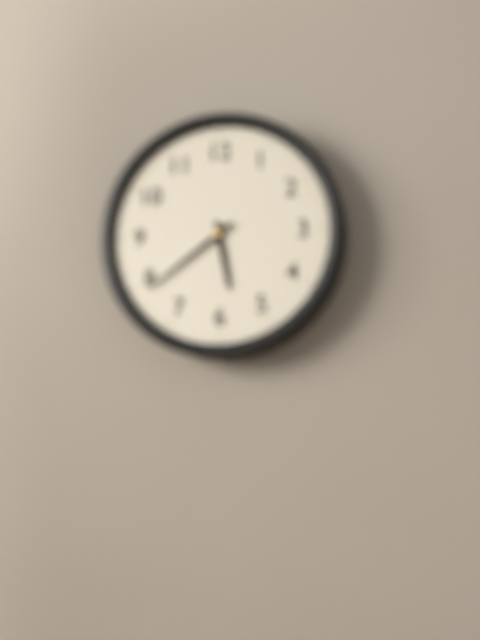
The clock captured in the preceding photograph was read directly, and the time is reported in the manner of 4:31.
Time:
5:39
